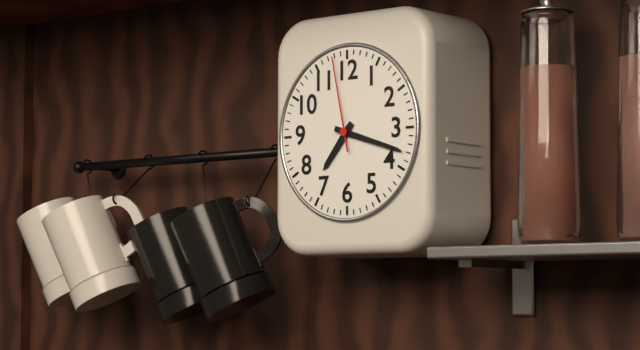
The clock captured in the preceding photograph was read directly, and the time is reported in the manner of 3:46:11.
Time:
7:18:58
